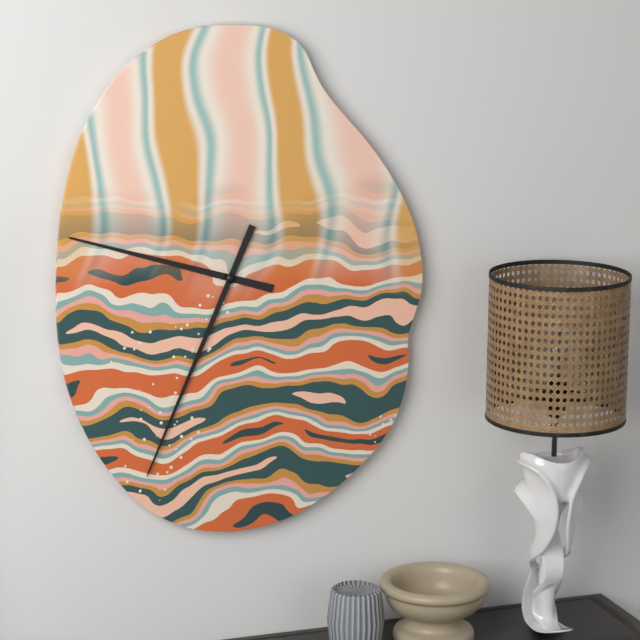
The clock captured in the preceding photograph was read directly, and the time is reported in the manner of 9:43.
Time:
9:34
